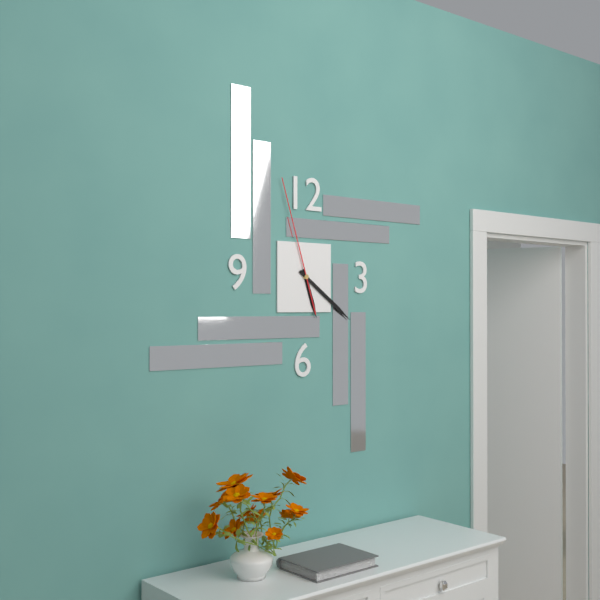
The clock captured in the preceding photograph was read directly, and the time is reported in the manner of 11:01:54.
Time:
5:21:57
